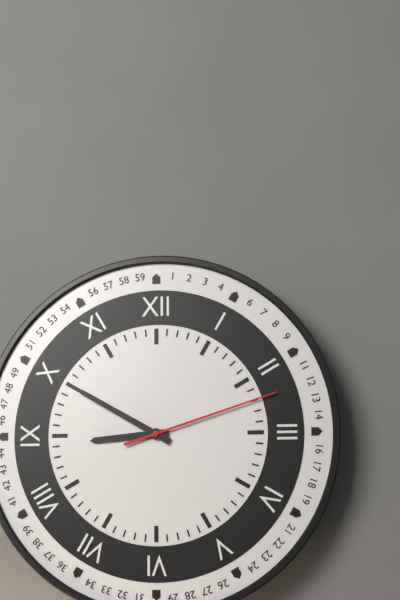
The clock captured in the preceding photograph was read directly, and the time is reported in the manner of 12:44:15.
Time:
8:50:12
